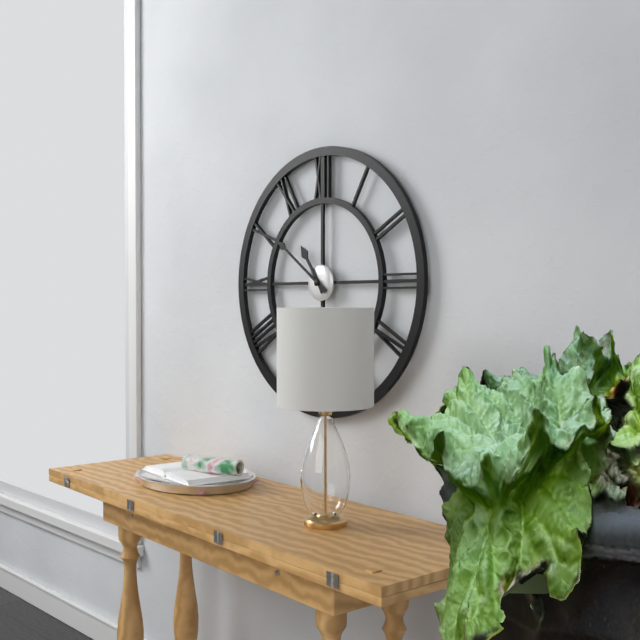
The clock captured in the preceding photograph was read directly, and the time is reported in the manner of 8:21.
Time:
10:51
